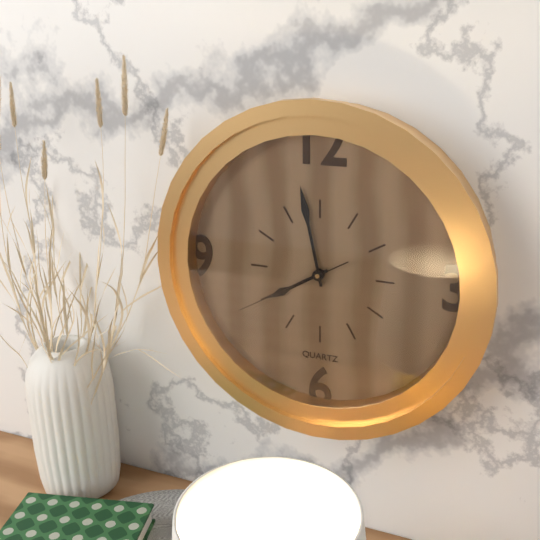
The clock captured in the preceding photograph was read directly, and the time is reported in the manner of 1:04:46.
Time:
7:58:40
